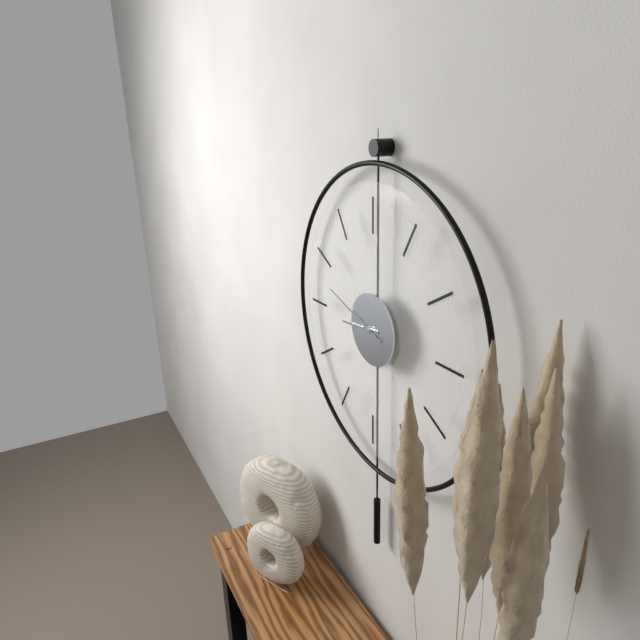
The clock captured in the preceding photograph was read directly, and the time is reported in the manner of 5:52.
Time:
8:48
